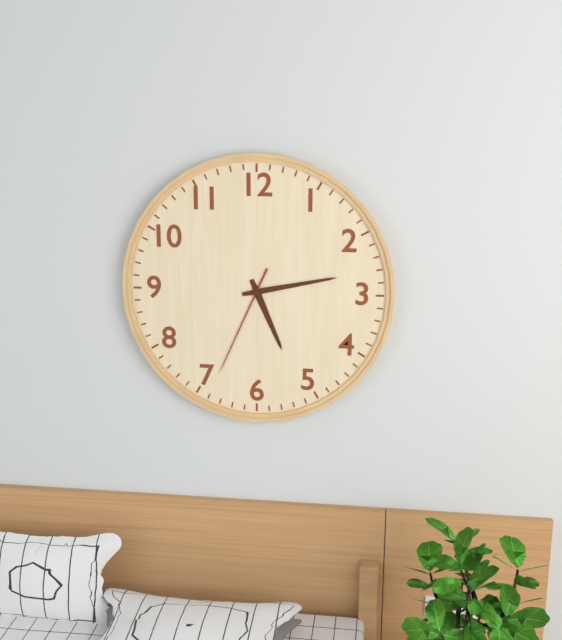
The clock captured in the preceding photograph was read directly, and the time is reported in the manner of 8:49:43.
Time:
5:13:34
